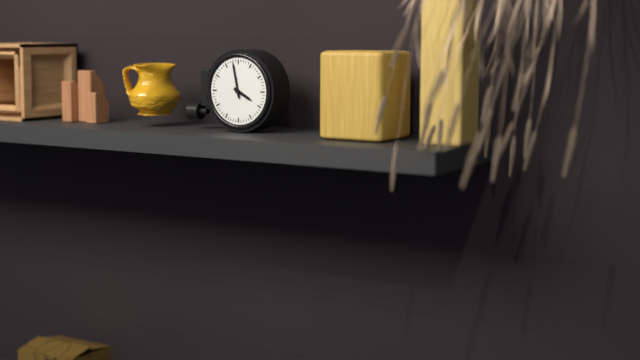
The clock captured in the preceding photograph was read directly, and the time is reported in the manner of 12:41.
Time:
3:58
